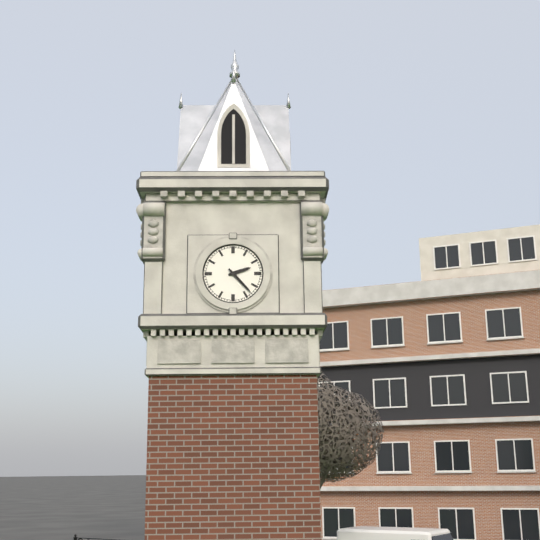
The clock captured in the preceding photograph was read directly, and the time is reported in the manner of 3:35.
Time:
2:23
